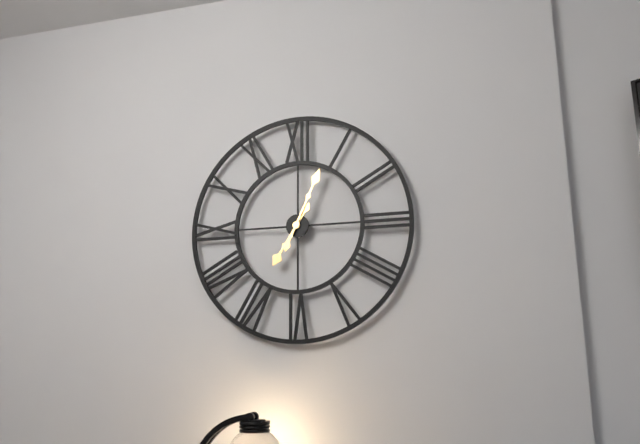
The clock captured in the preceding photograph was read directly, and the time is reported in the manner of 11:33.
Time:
7:04
